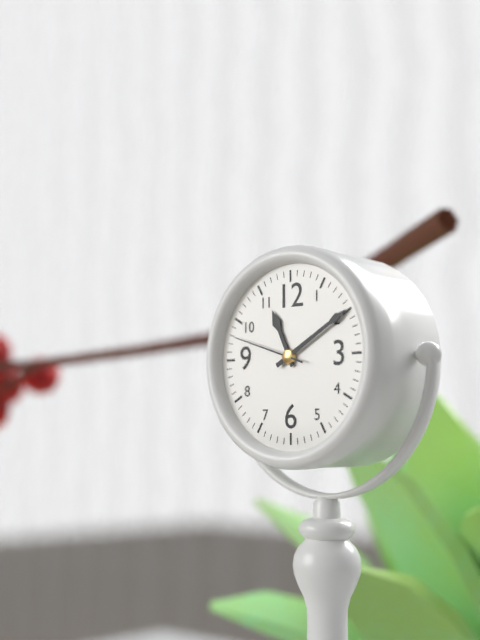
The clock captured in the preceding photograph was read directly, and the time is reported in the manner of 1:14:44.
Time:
11:10:48
